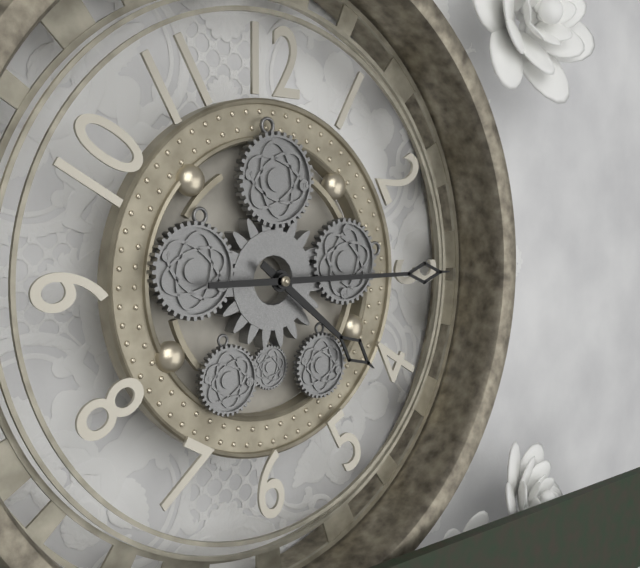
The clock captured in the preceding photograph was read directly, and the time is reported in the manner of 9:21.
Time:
4:15
